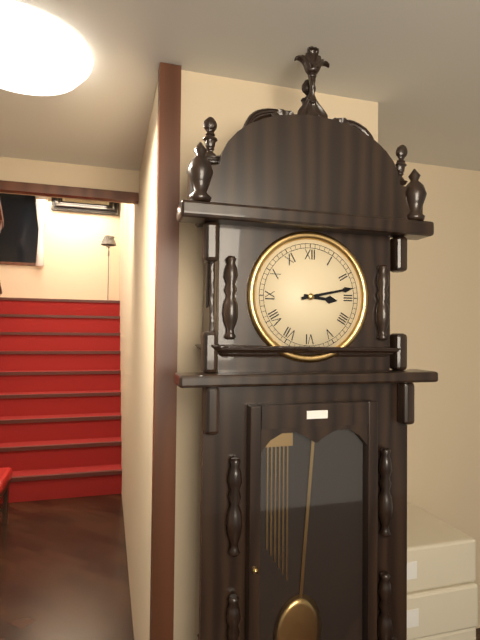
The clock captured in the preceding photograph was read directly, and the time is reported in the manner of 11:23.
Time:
3:13
